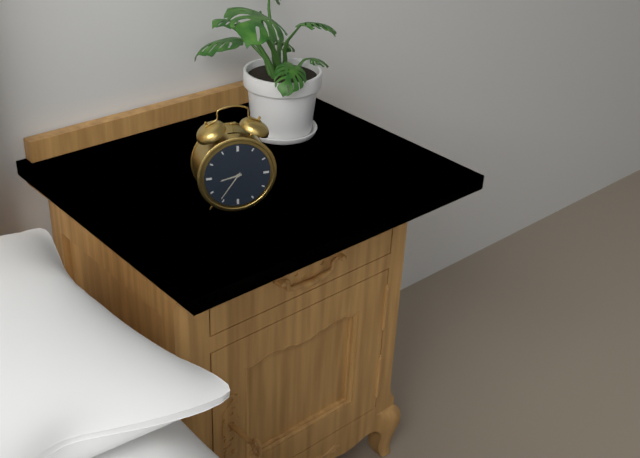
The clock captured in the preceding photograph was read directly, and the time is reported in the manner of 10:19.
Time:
8:36
